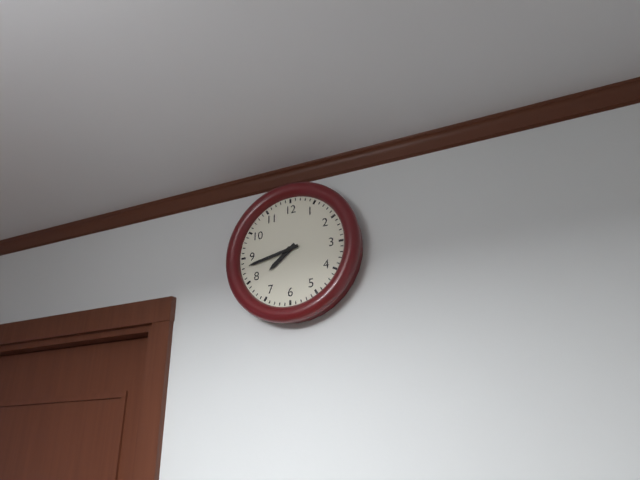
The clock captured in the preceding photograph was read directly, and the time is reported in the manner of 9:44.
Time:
7:43
